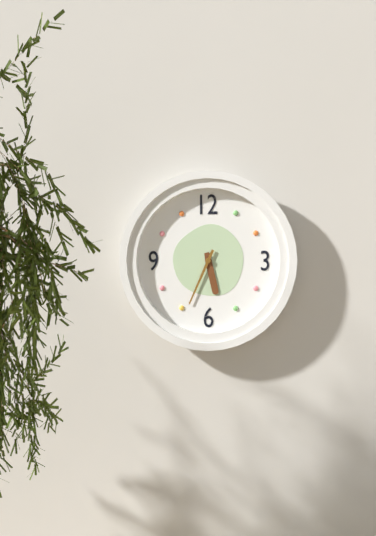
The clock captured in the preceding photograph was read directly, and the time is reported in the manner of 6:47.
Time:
5:34
